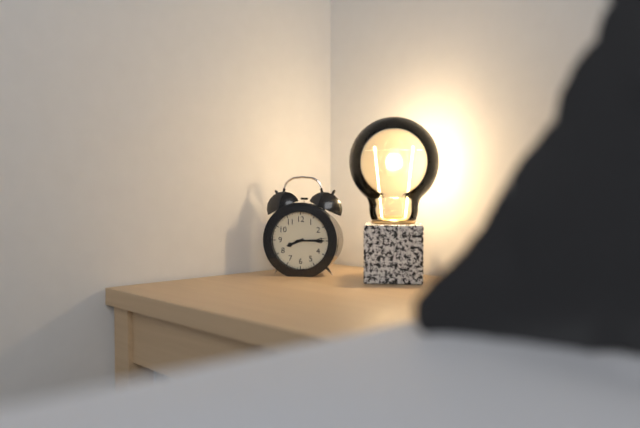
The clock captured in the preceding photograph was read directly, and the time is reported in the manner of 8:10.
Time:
8:15
